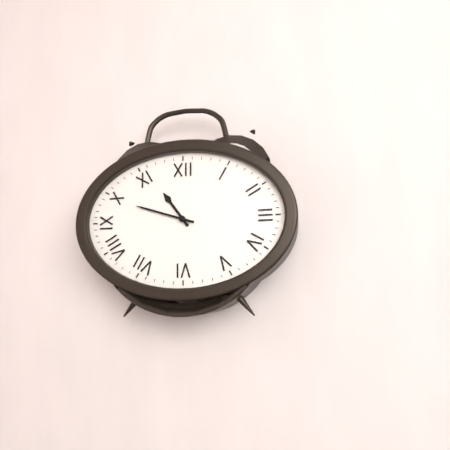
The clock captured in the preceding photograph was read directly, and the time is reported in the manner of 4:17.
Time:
10:48
